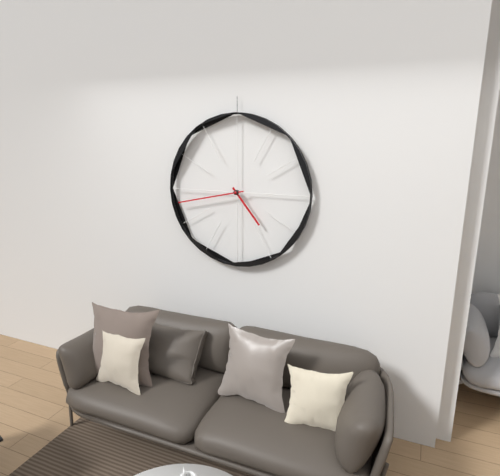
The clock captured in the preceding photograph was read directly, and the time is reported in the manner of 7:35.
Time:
4:43
